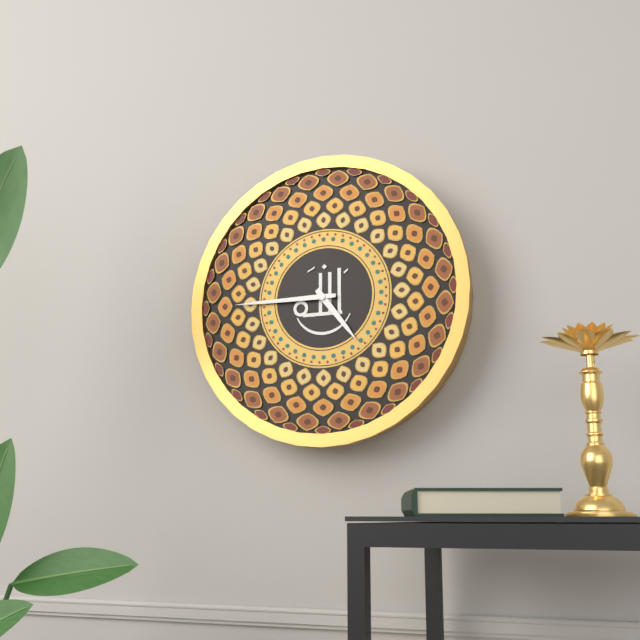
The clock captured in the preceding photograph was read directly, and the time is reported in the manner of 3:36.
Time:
4:45
